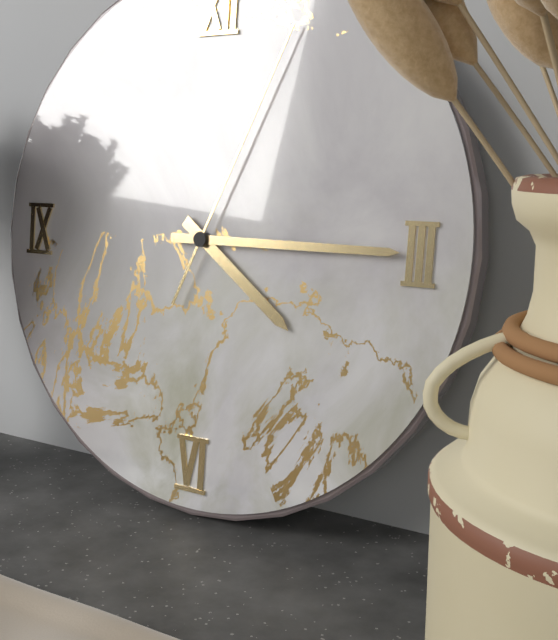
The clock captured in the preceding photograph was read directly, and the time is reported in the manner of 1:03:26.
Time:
4:15:04
